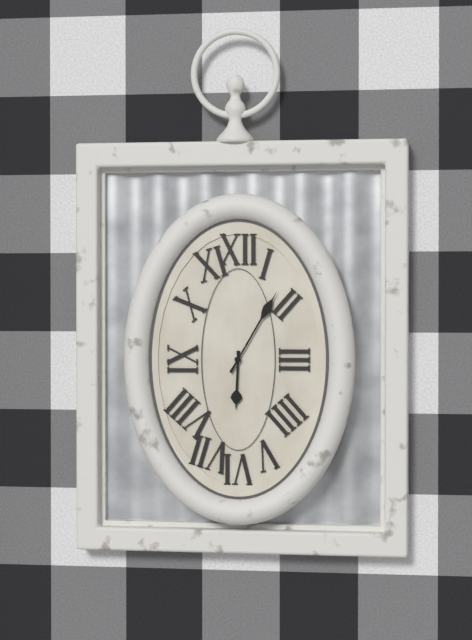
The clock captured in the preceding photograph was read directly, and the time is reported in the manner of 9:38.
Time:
6:05
